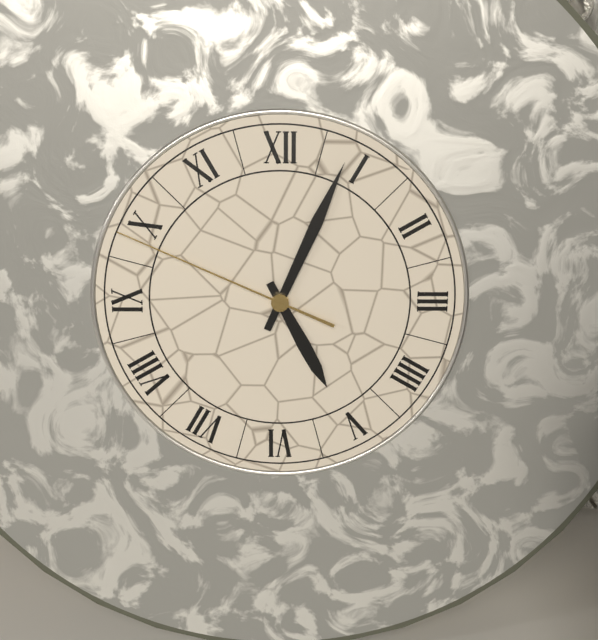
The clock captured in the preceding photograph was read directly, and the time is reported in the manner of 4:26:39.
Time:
5:04:49
